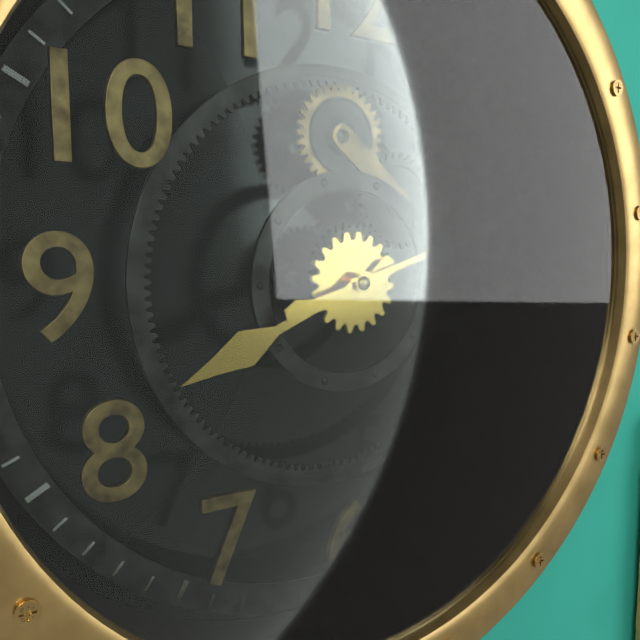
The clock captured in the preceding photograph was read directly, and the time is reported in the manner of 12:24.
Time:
8:12
